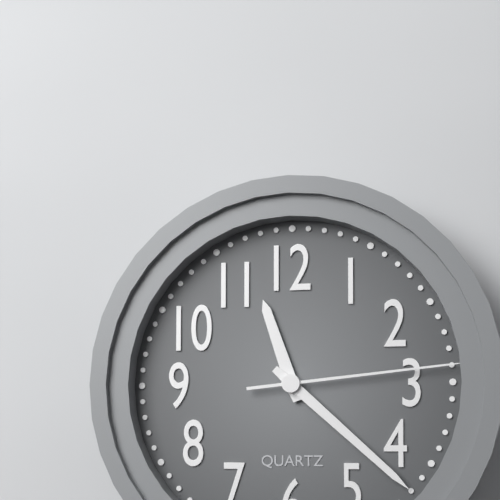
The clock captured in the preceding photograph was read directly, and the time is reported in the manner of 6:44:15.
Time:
11:22:14
